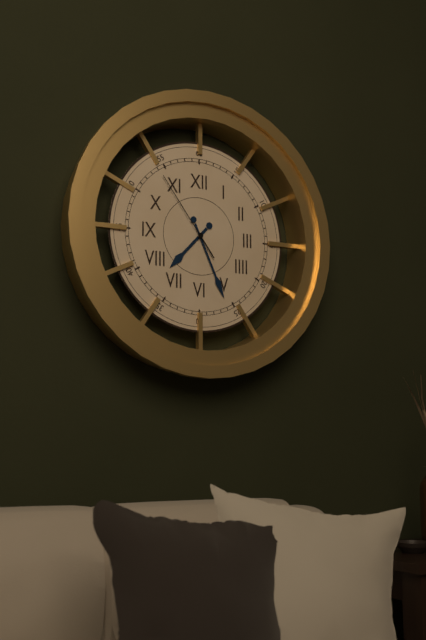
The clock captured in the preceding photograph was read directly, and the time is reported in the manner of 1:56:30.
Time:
7:26:54
